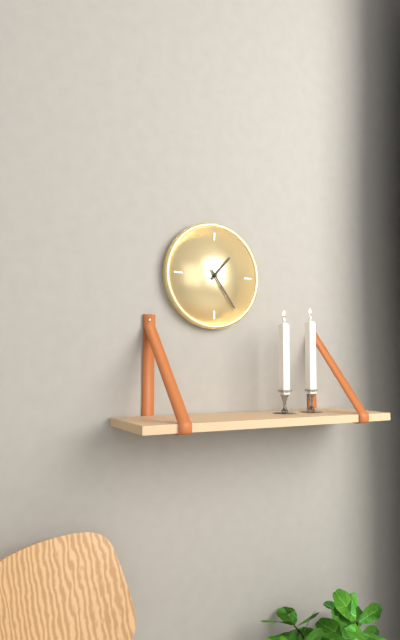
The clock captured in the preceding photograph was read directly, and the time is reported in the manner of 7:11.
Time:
1:24
